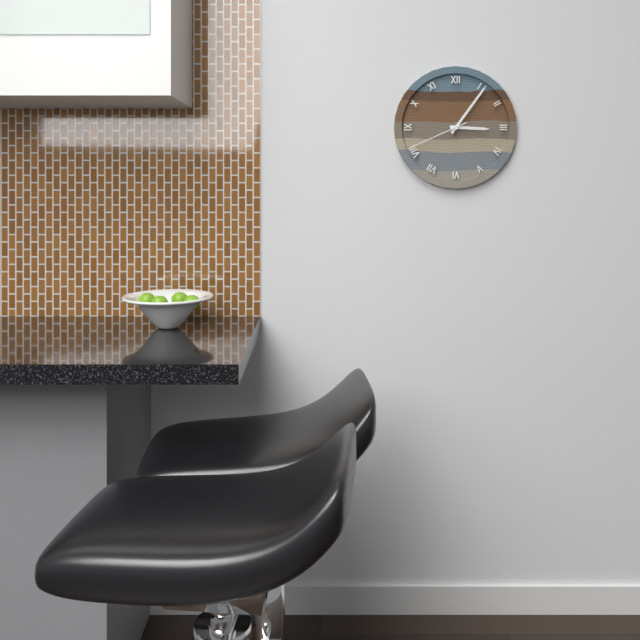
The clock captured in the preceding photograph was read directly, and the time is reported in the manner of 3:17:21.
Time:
3:06:41
